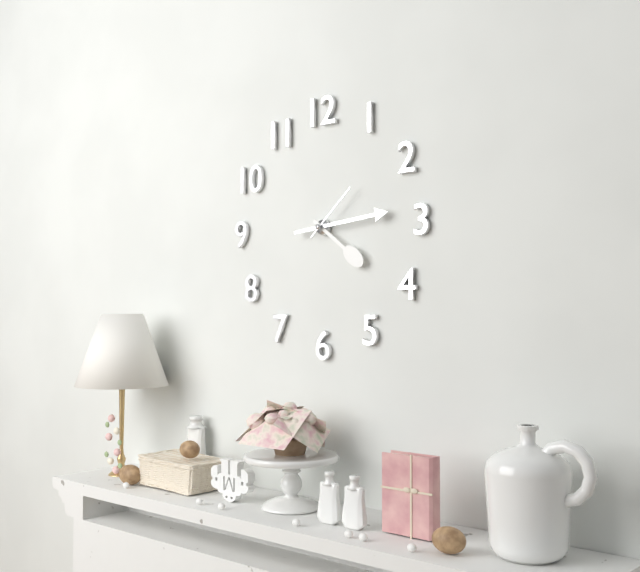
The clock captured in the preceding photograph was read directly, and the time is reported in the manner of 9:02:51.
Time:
4:14:08
